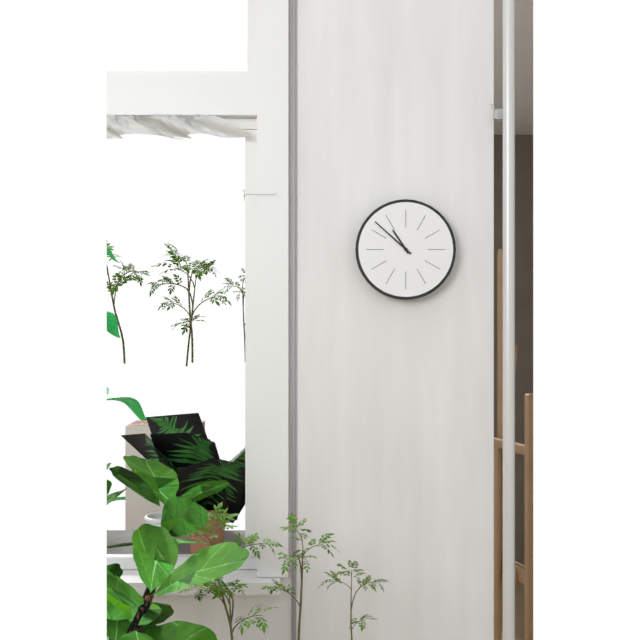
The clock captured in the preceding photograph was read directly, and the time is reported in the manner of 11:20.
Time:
10:52
